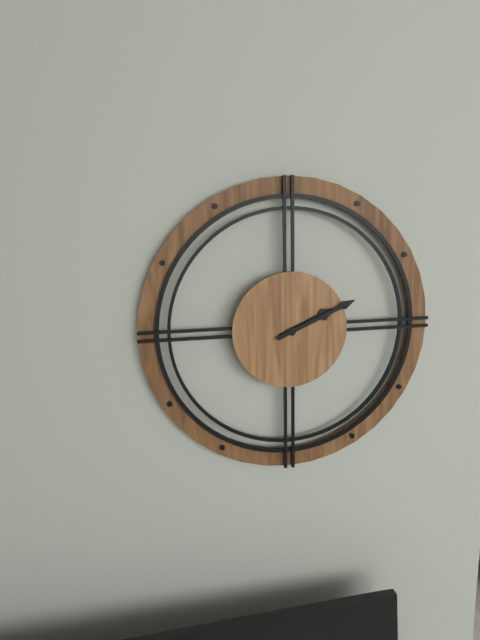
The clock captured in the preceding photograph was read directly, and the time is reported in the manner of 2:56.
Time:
2:11
